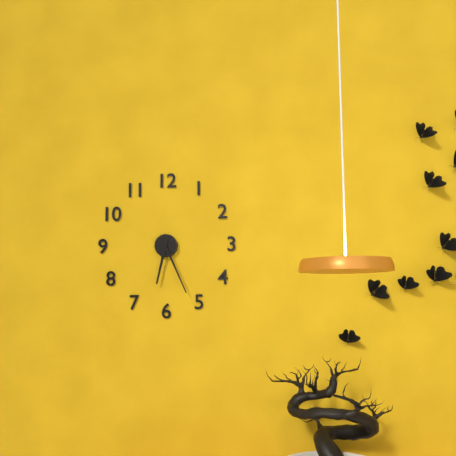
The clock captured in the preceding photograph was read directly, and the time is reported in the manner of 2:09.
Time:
6:26
